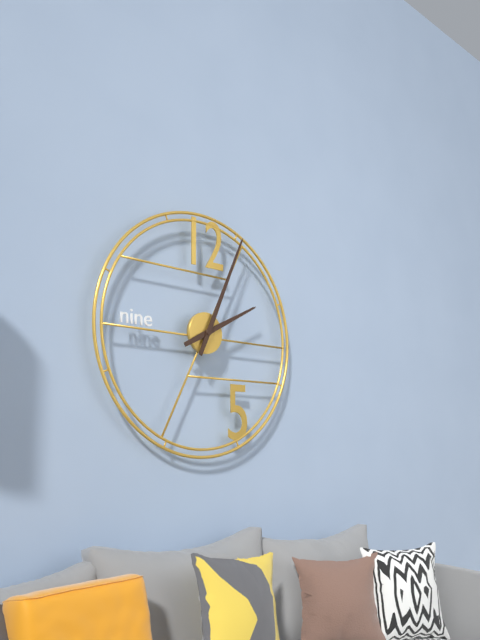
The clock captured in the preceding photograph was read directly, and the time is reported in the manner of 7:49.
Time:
2:04
